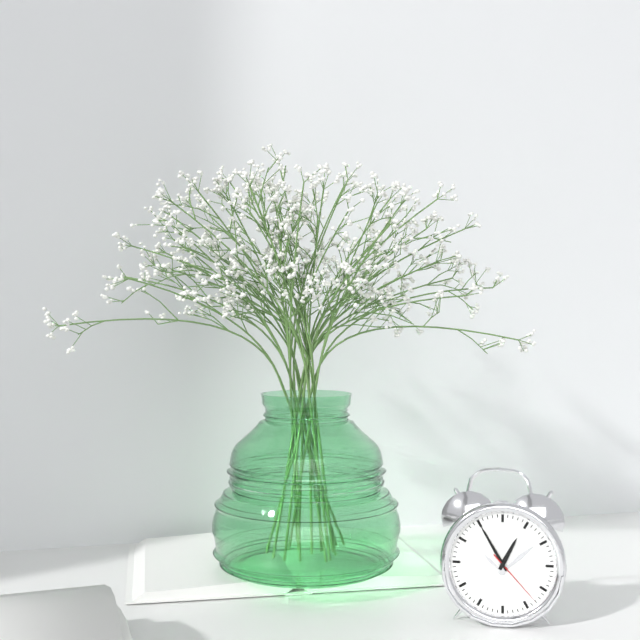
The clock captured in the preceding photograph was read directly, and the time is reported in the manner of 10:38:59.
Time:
12:55:23
